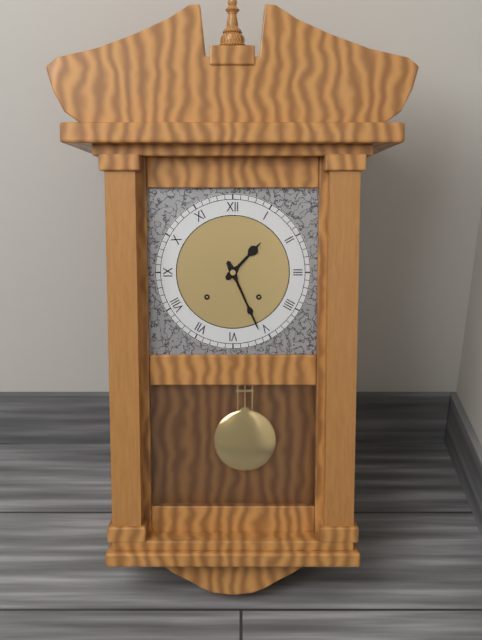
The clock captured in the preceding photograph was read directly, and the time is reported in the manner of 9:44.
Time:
1:26
